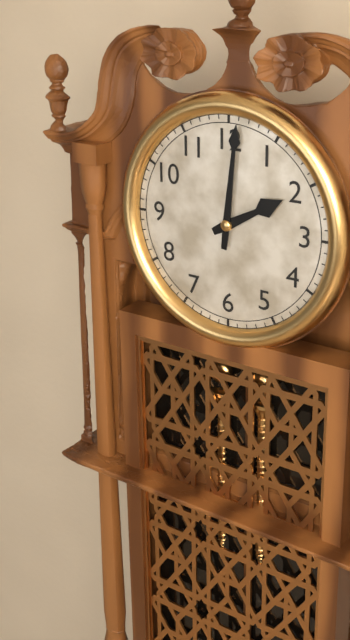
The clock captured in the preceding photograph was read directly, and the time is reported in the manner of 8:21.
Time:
2:01
